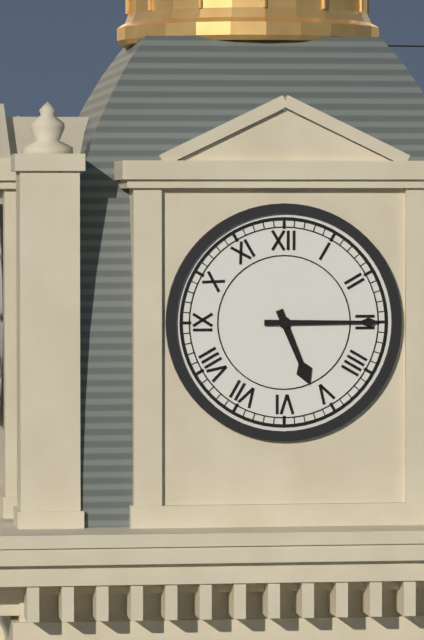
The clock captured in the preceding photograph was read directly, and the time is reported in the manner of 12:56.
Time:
5:15
